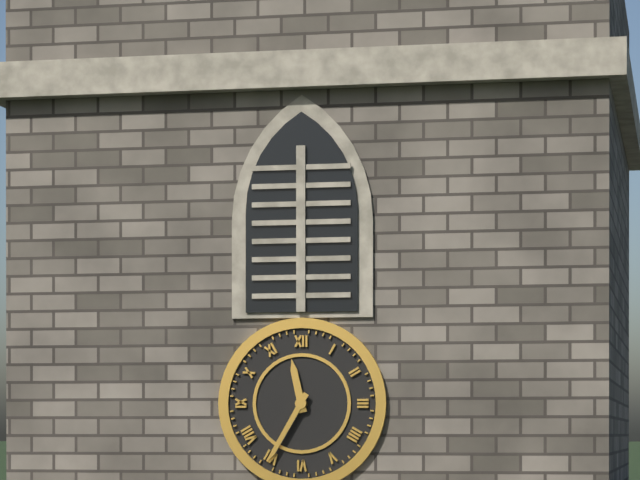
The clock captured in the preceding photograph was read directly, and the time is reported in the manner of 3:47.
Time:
11:35
